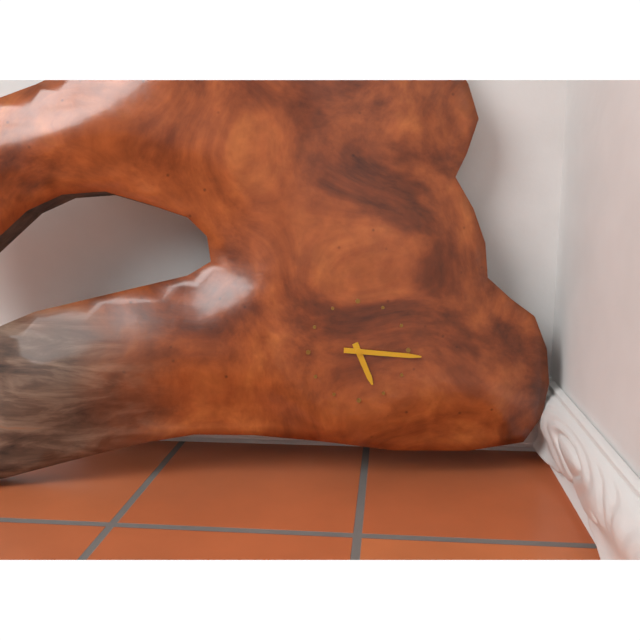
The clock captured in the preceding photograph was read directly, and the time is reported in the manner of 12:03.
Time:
5:16
